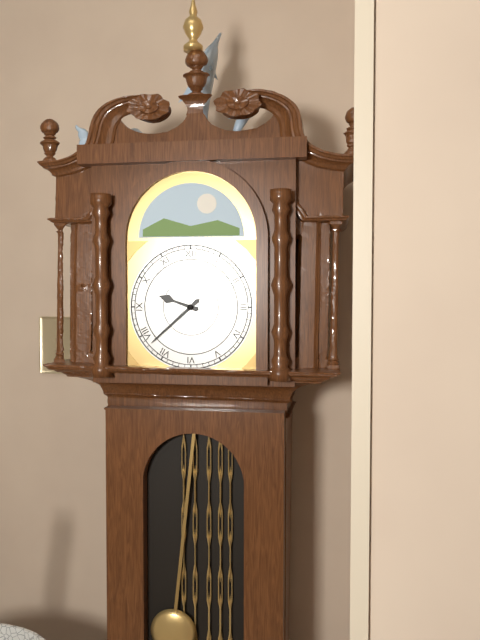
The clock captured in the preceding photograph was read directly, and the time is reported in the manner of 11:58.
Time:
9:38
